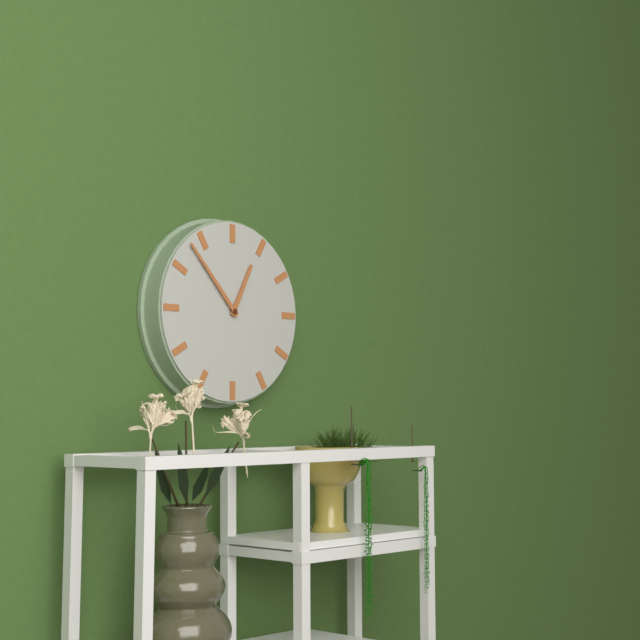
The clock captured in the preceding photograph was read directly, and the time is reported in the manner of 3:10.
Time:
12:53
